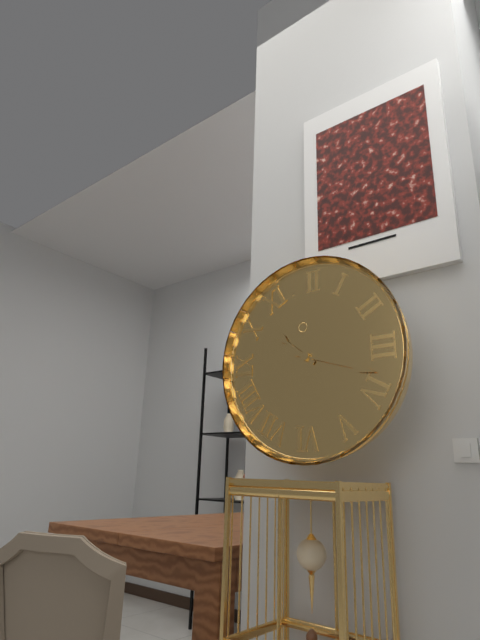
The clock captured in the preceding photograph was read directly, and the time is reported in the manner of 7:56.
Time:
10:18
